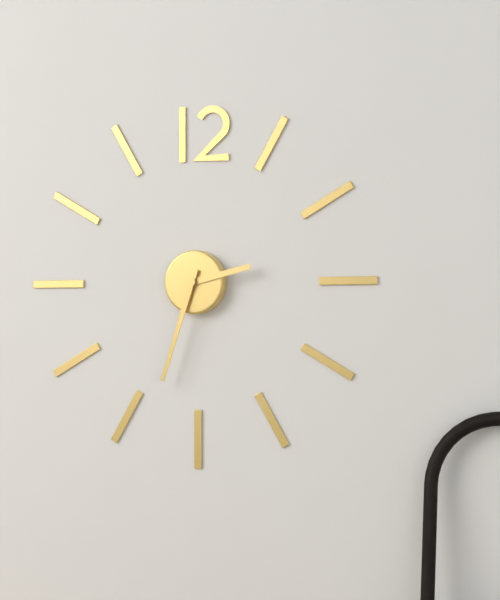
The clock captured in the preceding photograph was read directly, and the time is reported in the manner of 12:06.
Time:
2:33
